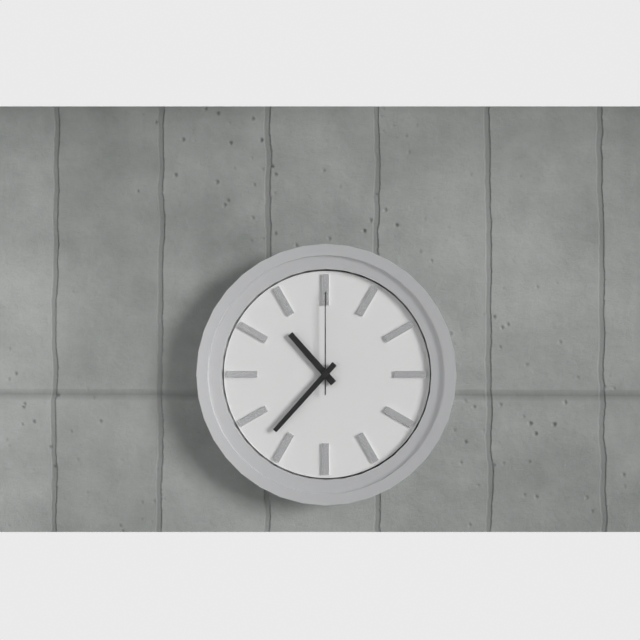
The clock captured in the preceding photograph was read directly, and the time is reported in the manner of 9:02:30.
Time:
10:37:00
